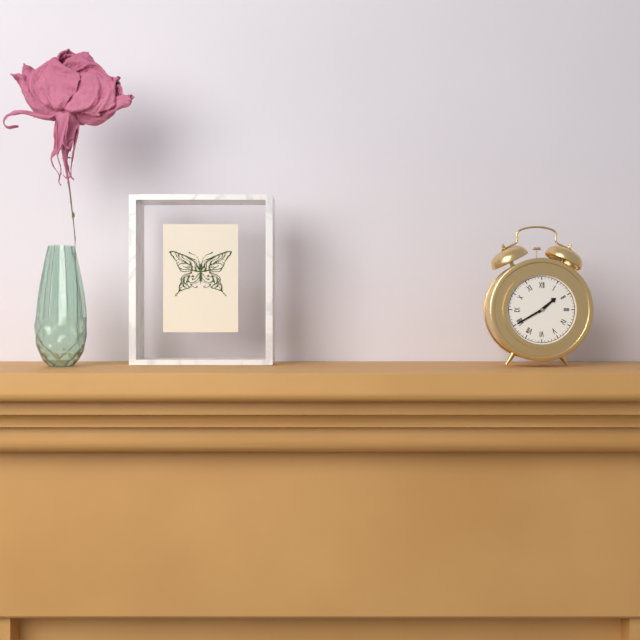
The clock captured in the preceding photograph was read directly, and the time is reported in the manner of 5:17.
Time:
1:40
